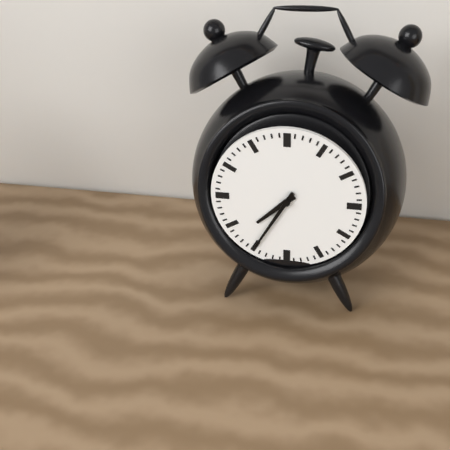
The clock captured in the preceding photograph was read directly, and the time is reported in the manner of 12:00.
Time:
7:35
